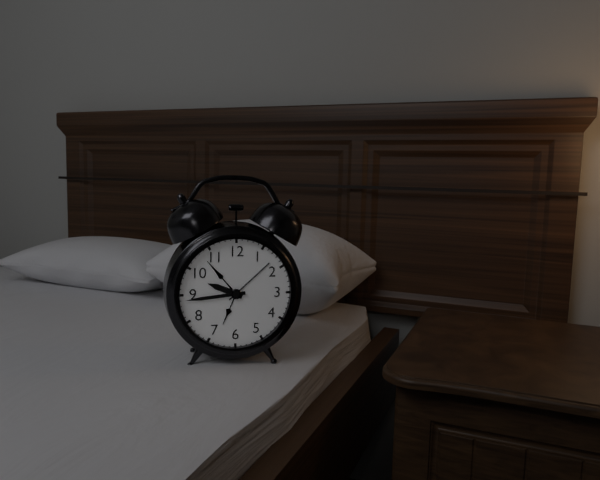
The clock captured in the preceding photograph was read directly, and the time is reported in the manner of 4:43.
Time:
9:44
